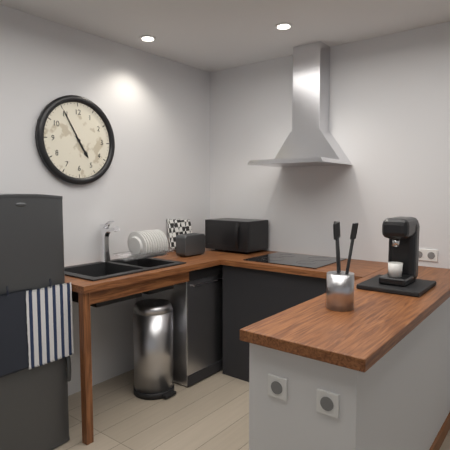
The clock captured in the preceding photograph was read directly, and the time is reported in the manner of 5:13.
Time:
4:55
